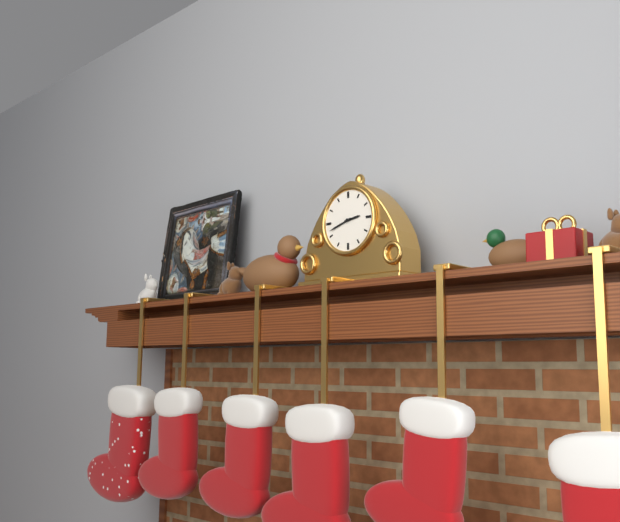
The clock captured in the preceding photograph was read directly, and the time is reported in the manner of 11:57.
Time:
2:42
